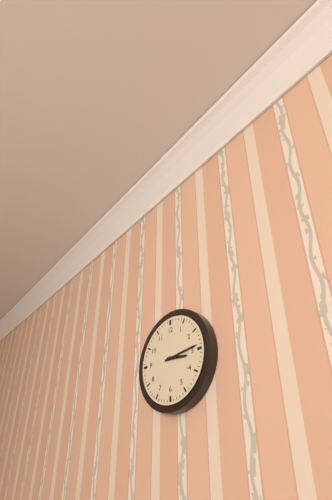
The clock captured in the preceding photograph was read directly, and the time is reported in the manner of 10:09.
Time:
3:14
